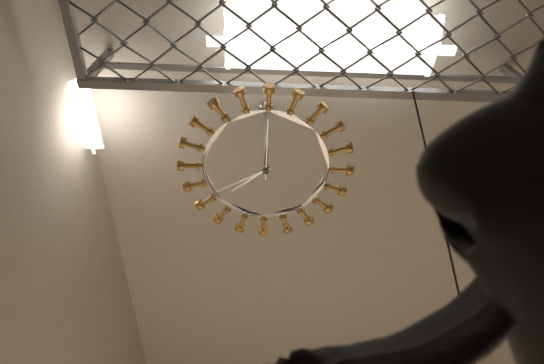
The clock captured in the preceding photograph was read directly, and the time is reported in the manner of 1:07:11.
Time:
7:40:00
